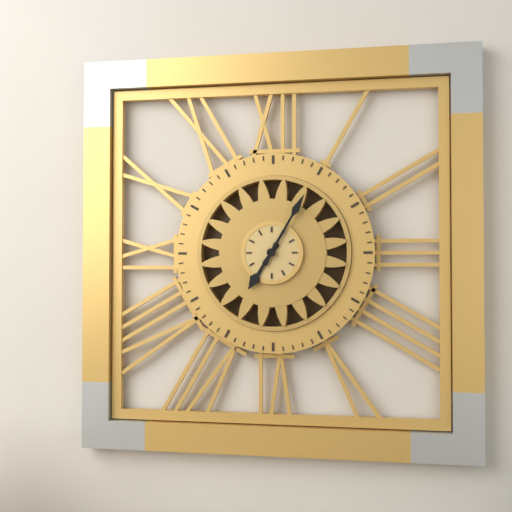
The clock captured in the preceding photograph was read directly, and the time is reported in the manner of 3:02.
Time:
7:05
